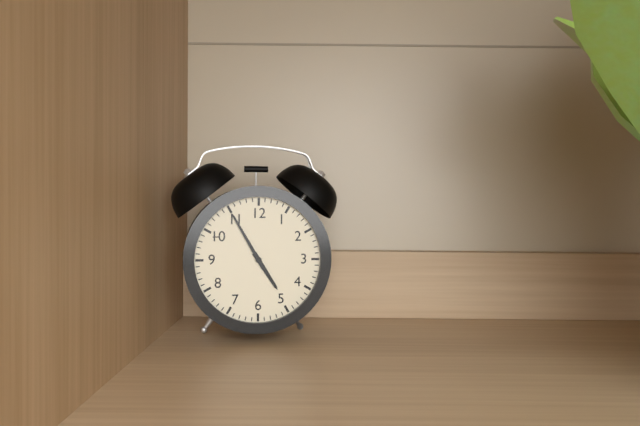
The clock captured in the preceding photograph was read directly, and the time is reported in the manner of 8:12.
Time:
4:55
